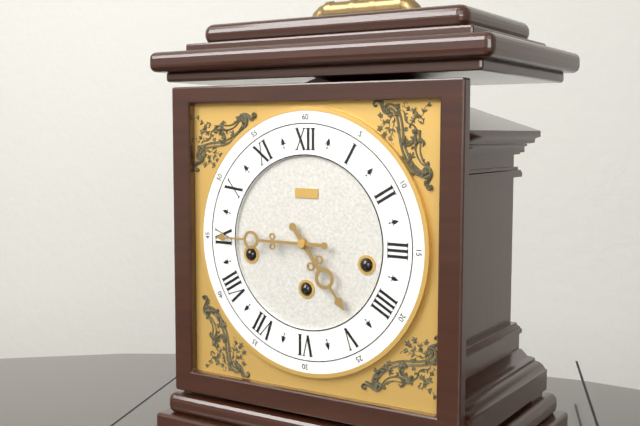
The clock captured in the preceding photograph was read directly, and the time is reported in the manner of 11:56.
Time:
4:45
